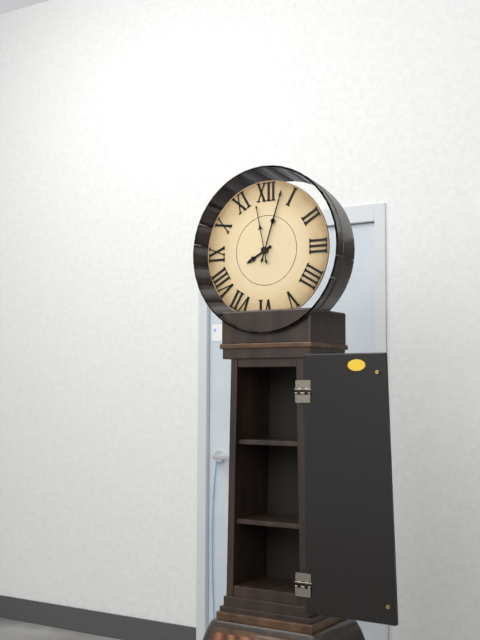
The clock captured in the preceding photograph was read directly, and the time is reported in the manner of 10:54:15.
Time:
8:03:58
